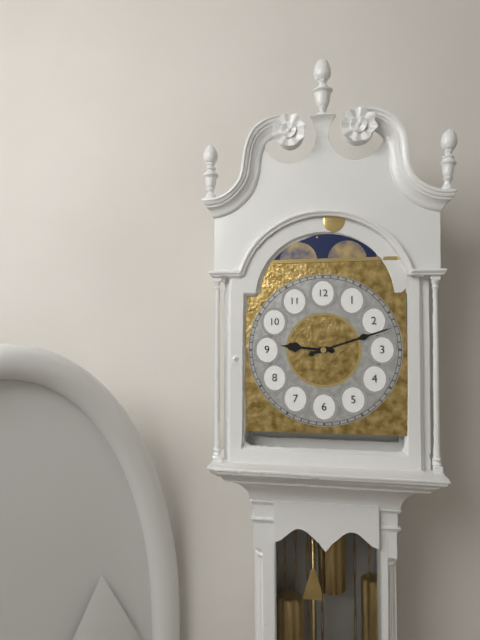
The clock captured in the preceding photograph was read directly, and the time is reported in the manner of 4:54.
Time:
9:12
